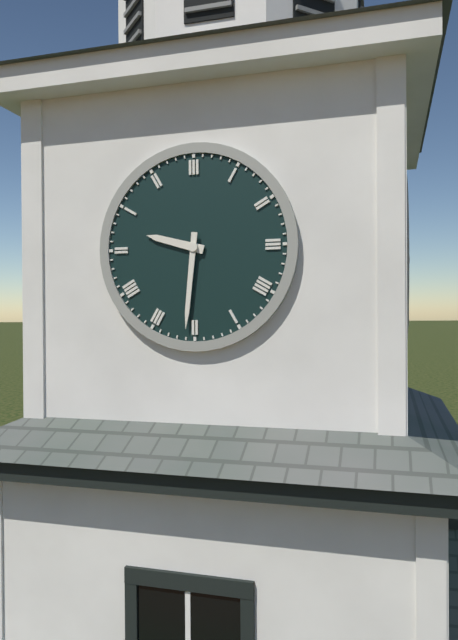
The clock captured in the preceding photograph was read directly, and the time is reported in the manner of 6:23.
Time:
9:31
